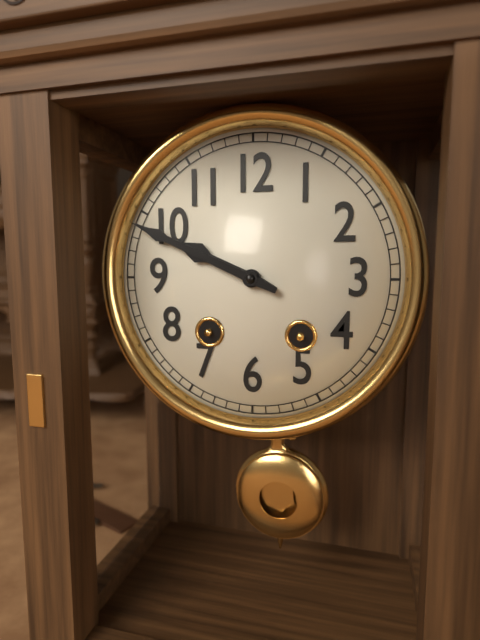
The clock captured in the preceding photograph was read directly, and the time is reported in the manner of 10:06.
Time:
9:49
